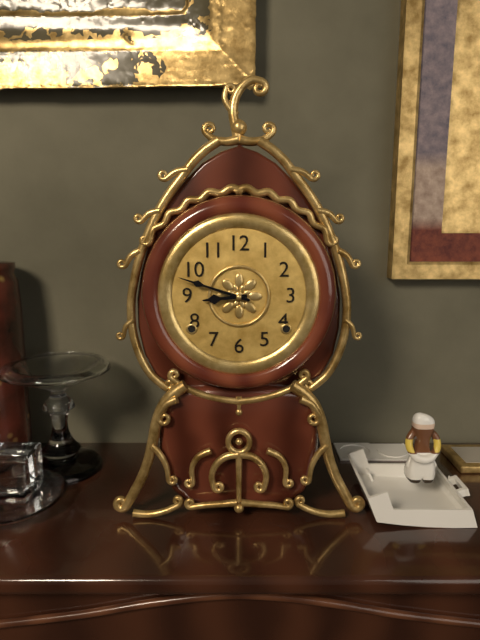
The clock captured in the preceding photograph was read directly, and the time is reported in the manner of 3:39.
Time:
8:48
